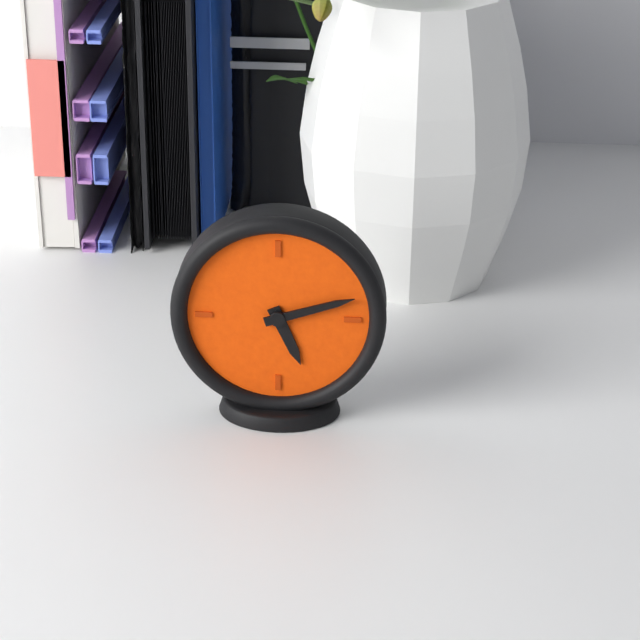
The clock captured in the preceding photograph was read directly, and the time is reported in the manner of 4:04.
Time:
5:12
